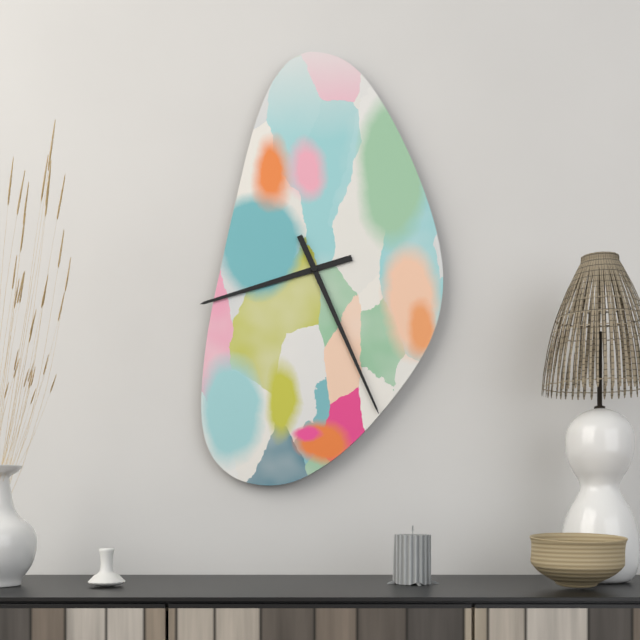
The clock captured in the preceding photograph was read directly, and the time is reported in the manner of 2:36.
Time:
8:26
